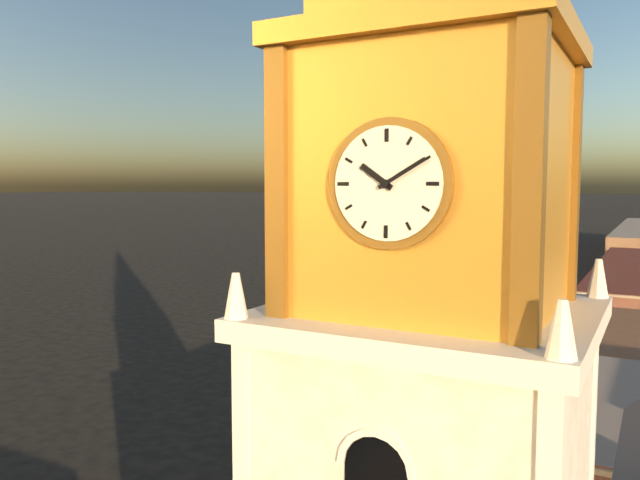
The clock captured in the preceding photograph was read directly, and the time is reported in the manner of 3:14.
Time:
10:10
